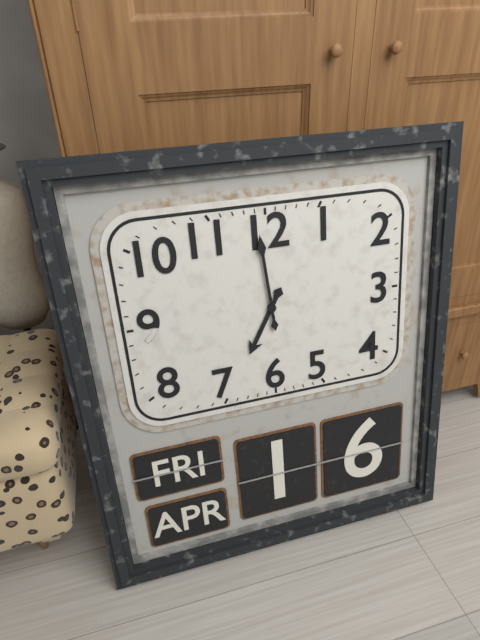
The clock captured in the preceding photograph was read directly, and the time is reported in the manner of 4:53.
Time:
6:59
